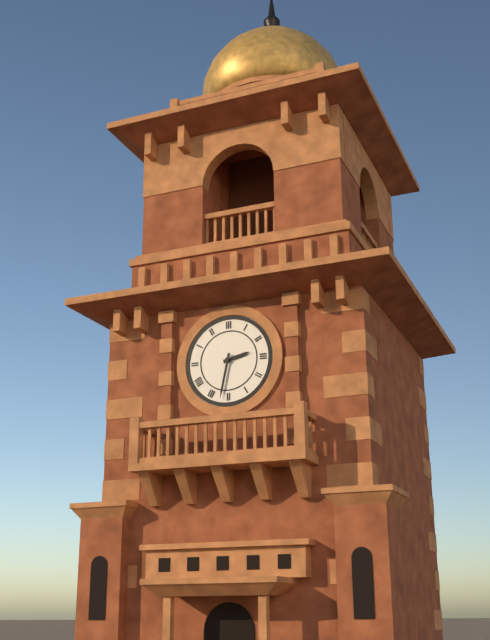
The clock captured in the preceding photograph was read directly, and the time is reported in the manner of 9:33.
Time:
2:32
